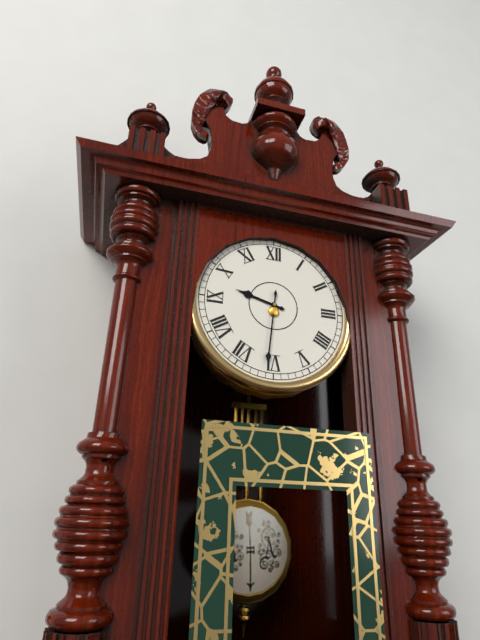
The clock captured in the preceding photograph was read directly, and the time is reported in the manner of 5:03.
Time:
9:31
